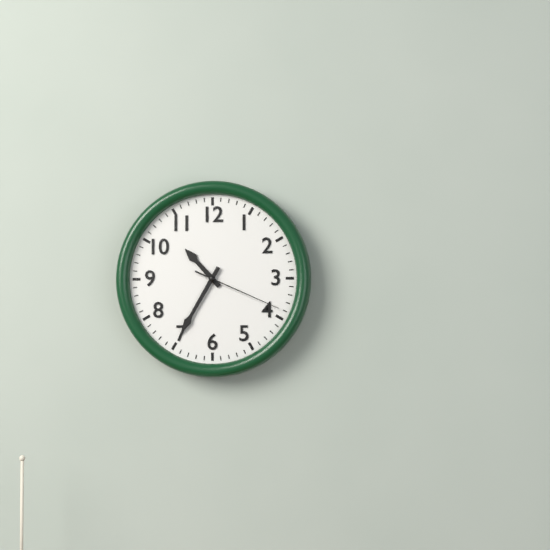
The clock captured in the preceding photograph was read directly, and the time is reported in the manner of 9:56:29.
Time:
10:35:19
